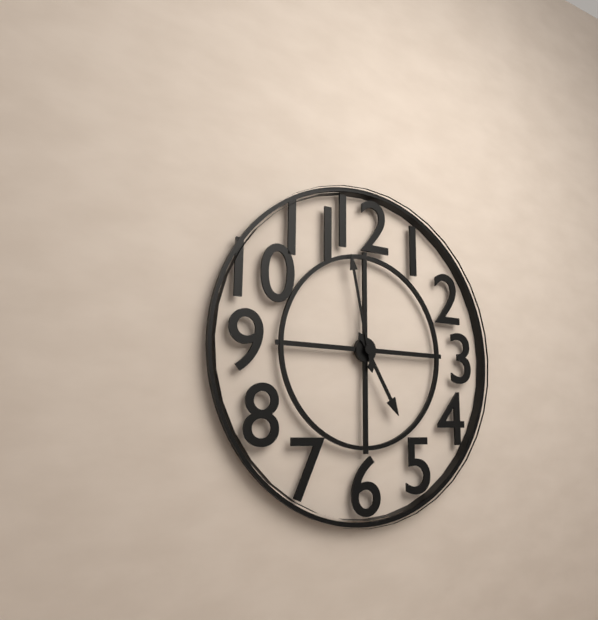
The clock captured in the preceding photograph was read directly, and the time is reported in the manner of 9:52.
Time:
4:58
